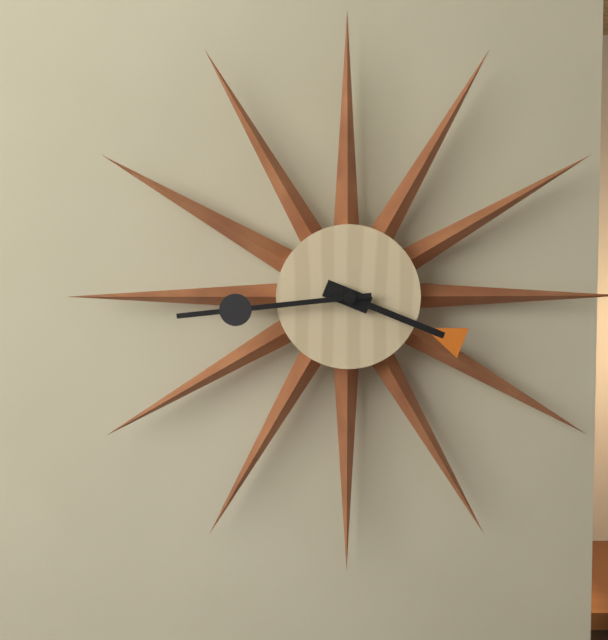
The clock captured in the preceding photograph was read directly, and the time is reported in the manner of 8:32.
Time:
3:44
